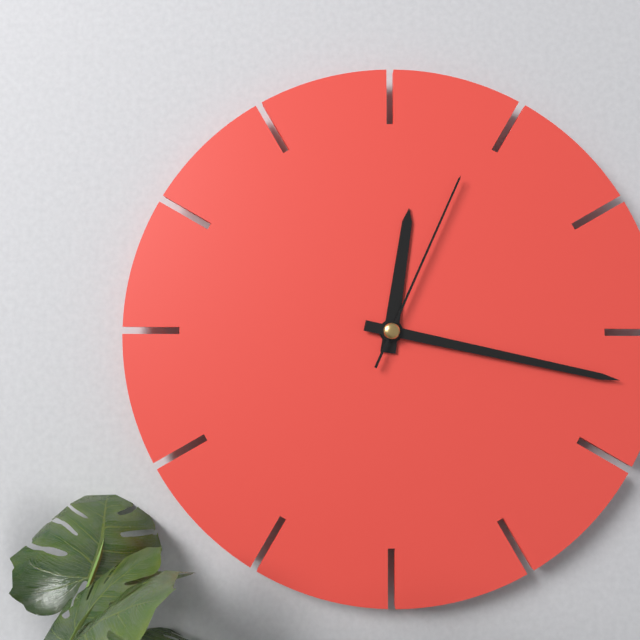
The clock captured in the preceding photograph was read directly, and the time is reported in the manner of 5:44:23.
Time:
12:17:04
